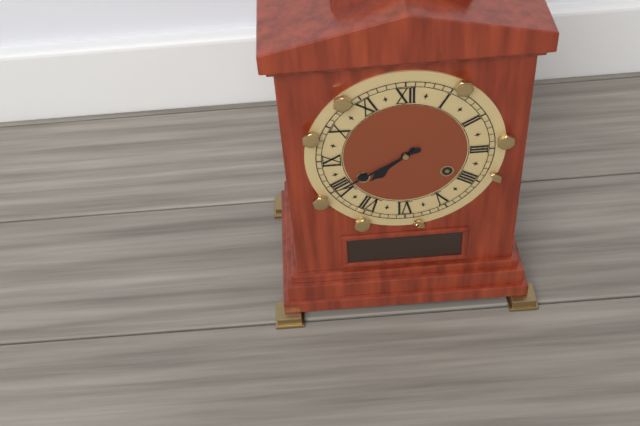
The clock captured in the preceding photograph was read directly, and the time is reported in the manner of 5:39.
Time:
7:40
